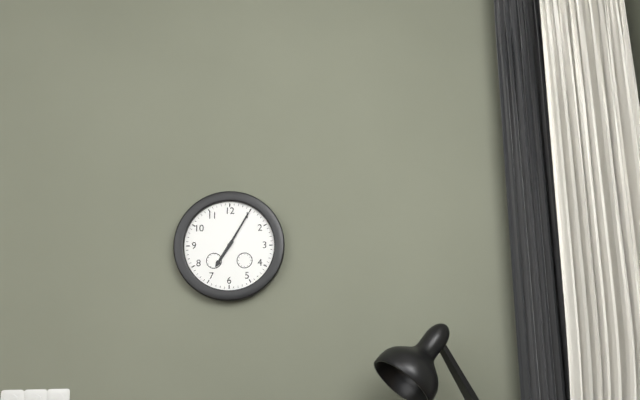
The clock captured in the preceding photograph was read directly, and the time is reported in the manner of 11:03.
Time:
7:05
